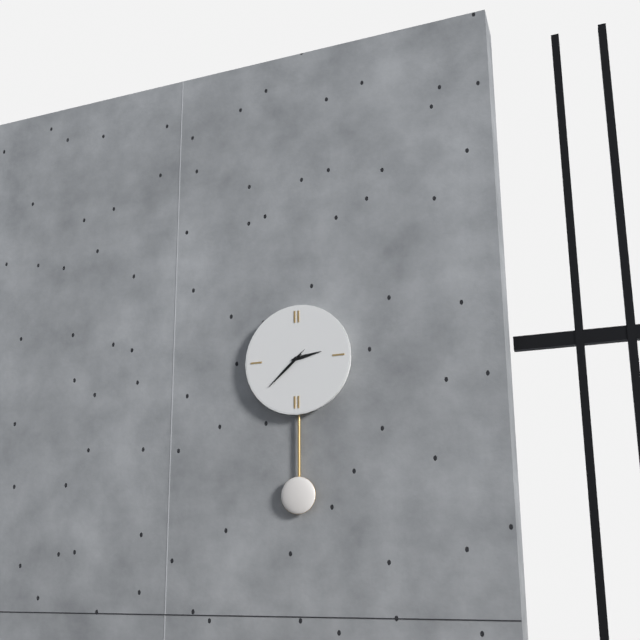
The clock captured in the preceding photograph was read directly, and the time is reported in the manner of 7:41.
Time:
2:38
